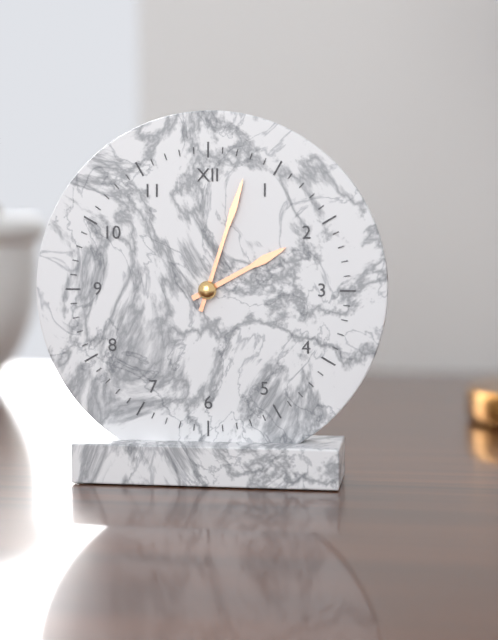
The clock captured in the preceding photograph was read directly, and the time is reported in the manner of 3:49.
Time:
2:03
